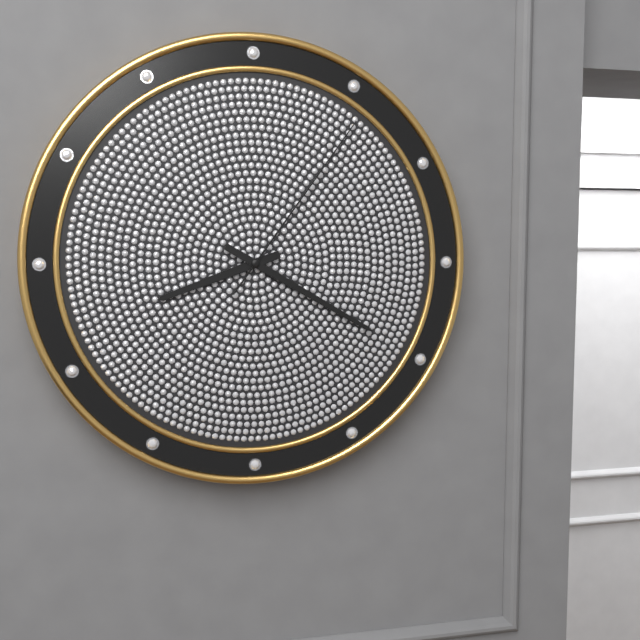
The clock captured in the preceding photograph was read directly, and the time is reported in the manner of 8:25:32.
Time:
8:20:06
